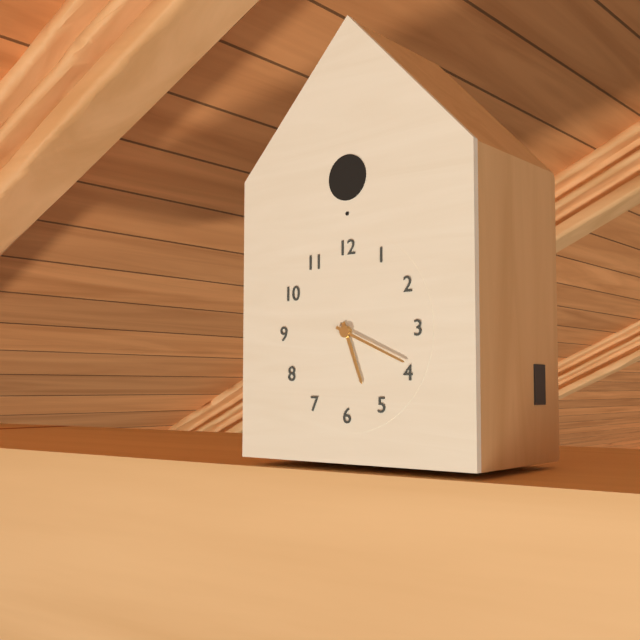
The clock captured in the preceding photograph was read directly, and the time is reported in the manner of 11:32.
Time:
5:19
